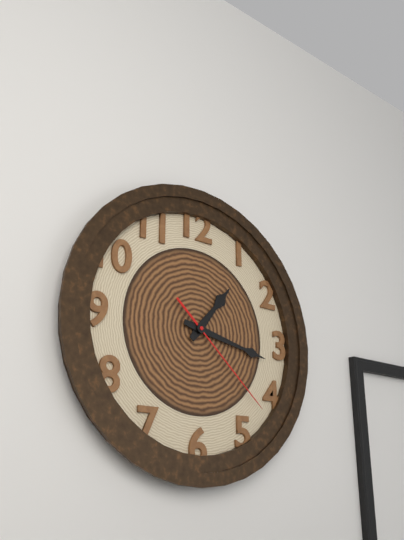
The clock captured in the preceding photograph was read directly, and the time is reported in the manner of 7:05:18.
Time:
1:17:22
